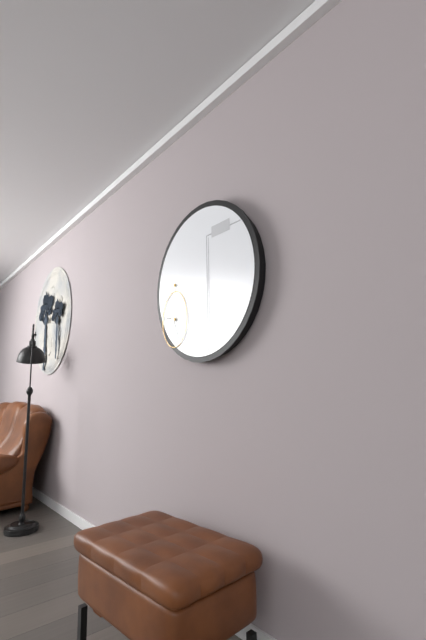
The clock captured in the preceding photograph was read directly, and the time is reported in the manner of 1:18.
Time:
9:26
